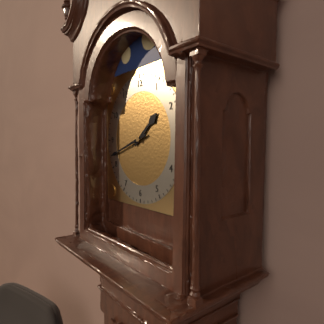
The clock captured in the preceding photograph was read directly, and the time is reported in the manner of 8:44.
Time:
1:42
